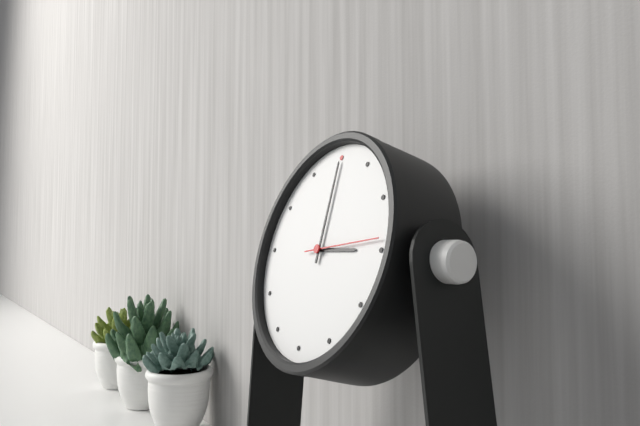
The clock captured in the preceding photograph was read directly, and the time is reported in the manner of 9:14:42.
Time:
3:00:14
